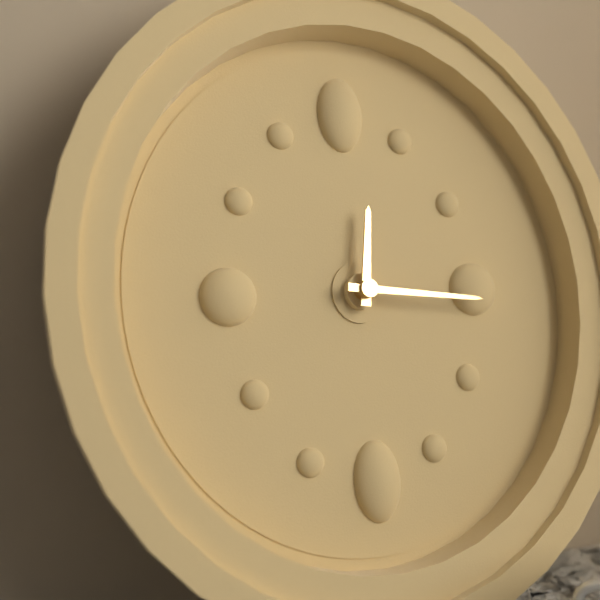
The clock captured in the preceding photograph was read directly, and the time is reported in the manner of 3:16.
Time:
12:16
